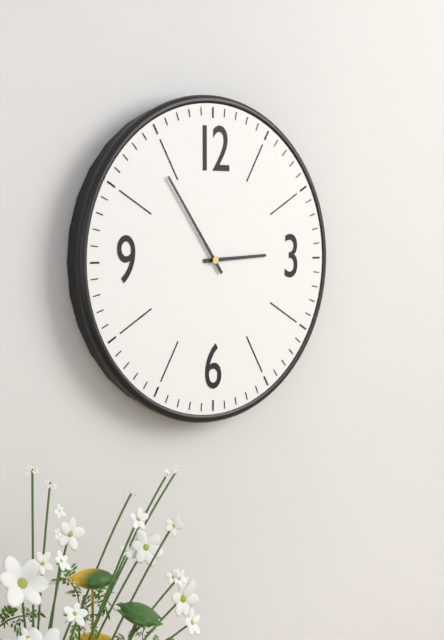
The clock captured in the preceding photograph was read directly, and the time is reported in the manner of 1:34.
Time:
2:54
